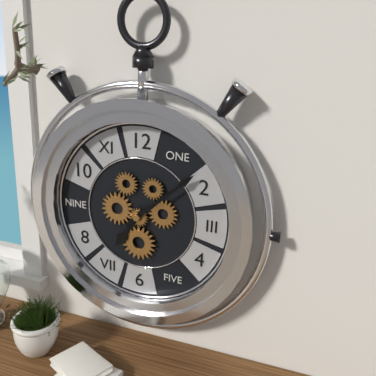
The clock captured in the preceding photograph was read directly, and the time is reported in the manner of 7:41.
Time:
7:08
